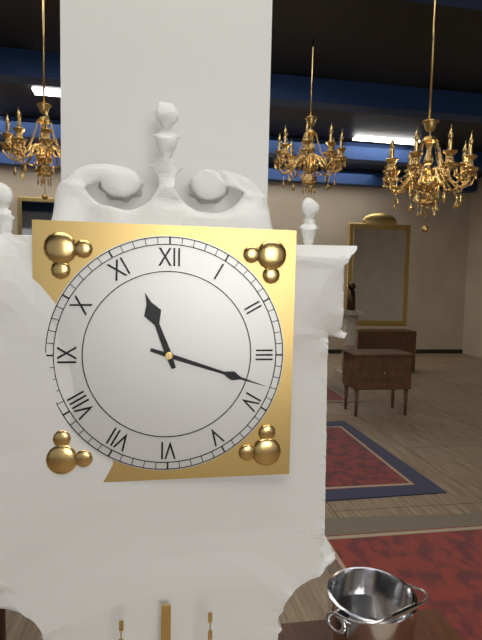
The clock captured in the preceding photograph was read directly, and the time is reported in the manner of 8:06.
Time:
11:18
